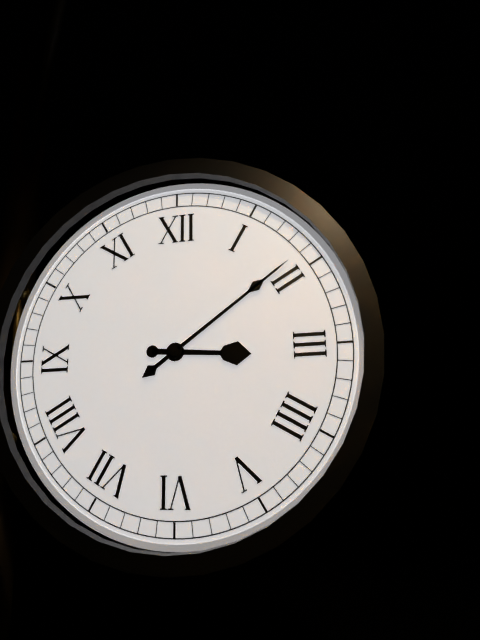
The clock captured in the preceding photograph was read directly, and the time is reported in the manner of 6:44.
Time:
3:09
